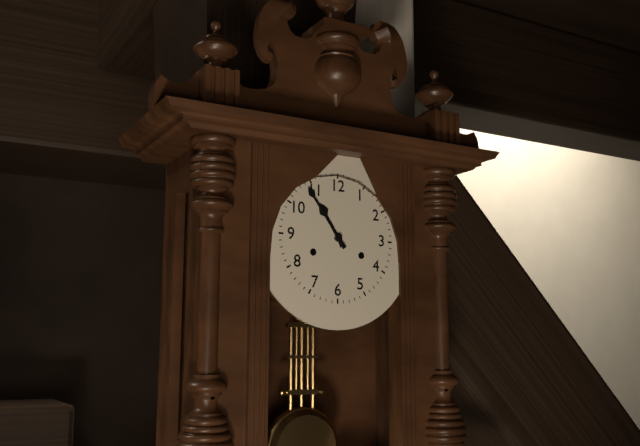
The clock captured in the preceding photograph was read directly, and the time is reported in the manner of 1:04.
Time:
10:54
